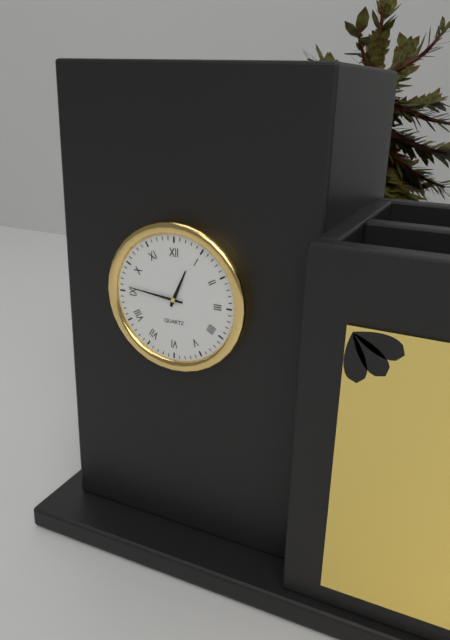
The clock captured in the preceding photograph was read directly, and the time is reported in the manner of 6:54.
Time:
12:46
